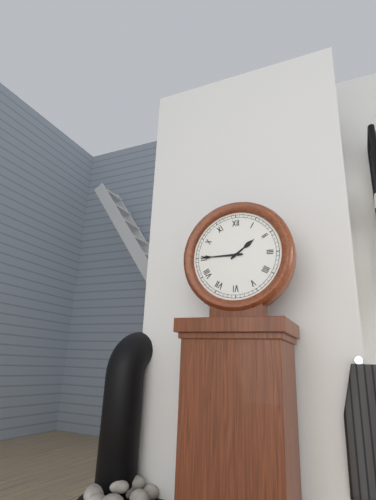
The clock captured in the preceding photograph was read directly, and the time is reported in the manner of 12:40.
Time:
1:45
